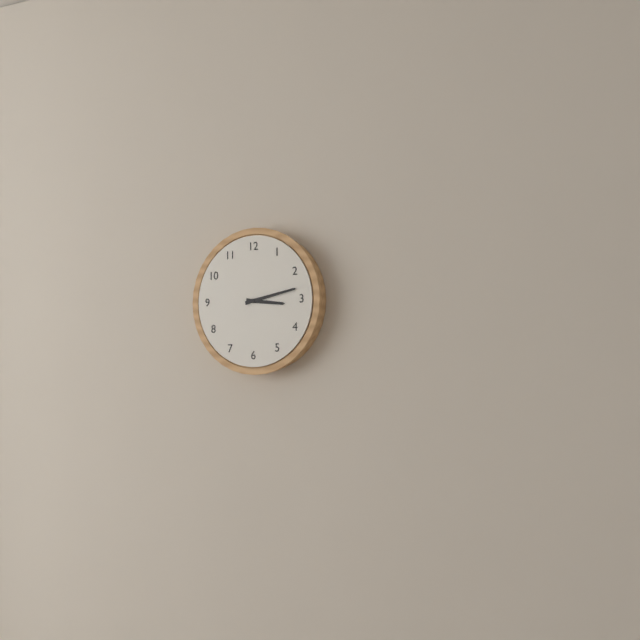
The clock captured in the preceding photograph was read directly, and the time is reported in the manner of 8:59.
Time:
3:13
